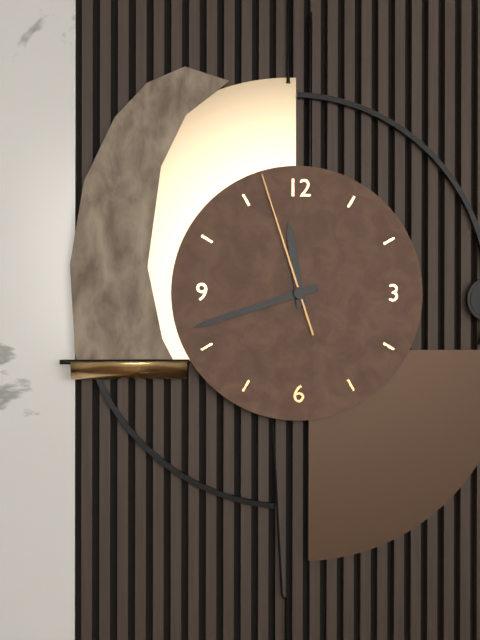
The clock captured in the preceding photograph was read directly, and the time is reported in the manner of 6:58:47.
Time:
11:42:57
